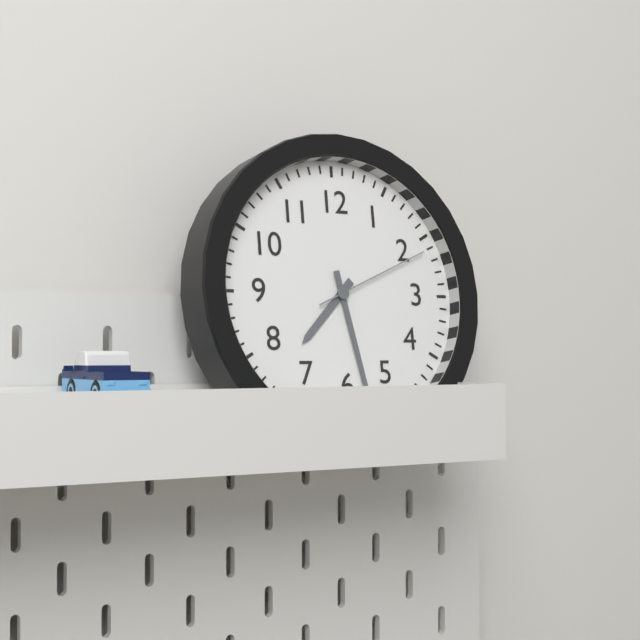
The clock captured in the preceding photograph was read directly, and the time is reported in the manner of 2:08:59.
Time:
7:28:11
